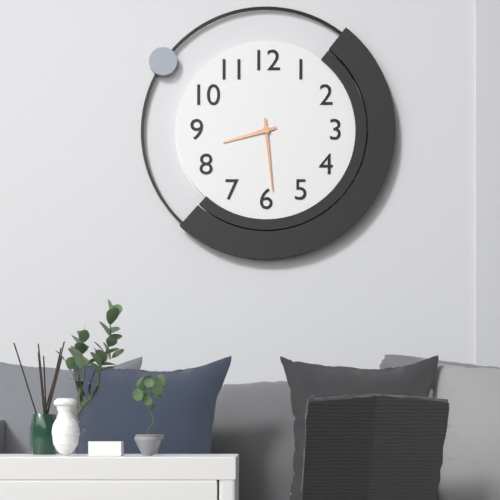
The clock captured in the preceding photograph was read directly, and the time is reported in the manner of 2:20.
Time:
8:29
